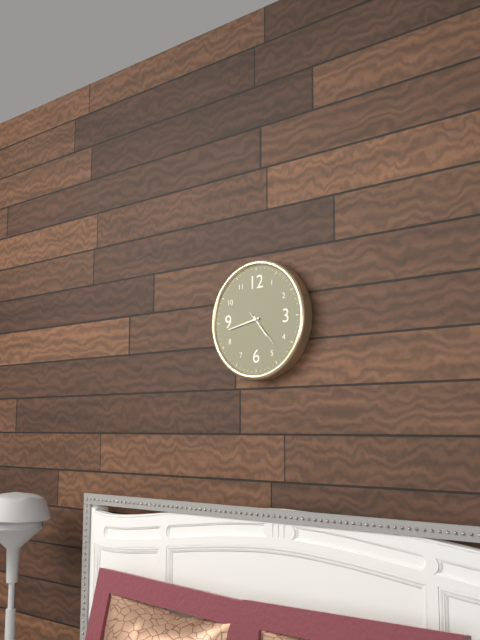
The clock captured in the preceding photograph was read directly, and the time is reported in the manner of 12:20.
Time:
4:43
